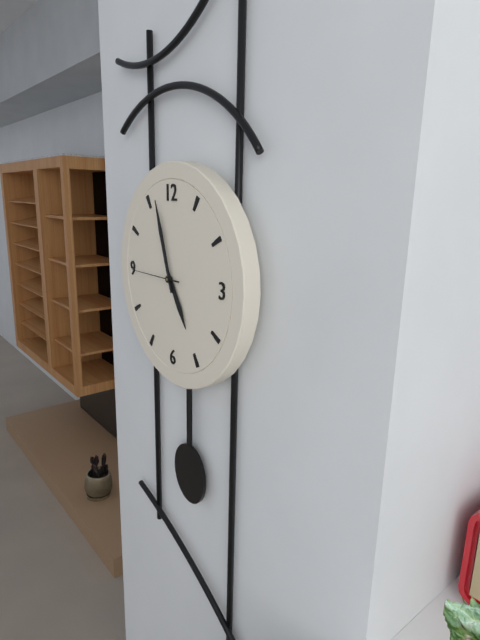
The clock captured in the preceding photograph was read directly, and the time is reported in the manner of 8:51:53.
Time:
4:57:45
